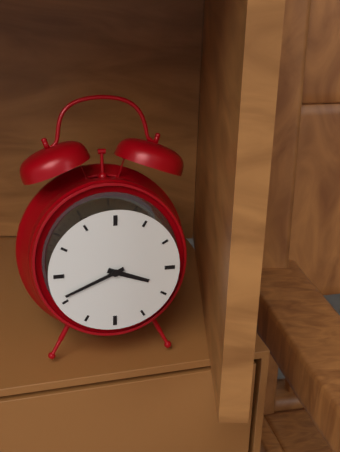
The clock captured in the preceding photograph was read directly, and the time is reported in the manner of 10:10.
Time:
3:41
